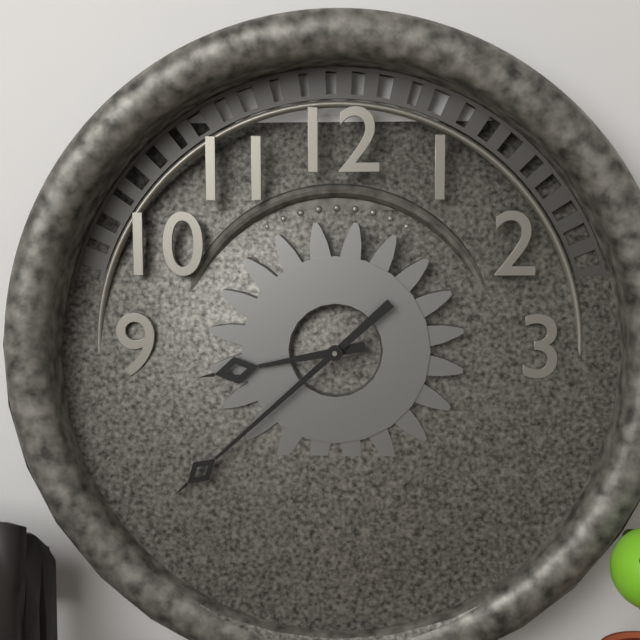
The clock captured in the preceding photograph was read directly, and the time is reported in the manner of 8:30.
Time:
8:38
